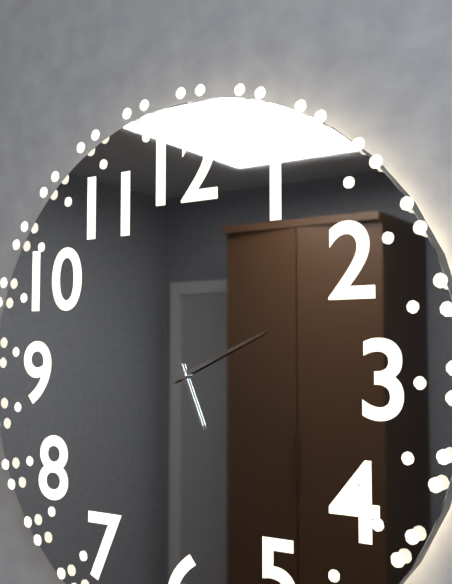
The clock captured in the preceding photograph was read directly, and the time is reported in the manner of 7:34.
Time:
5:11
